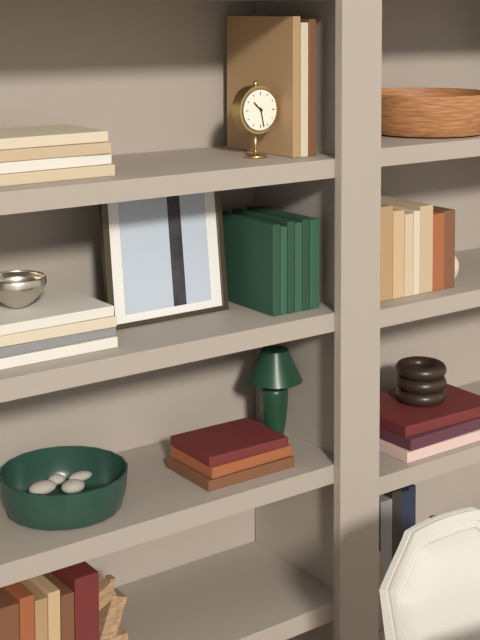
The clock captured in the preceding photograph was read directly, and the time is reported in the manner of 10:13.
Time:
10:28
